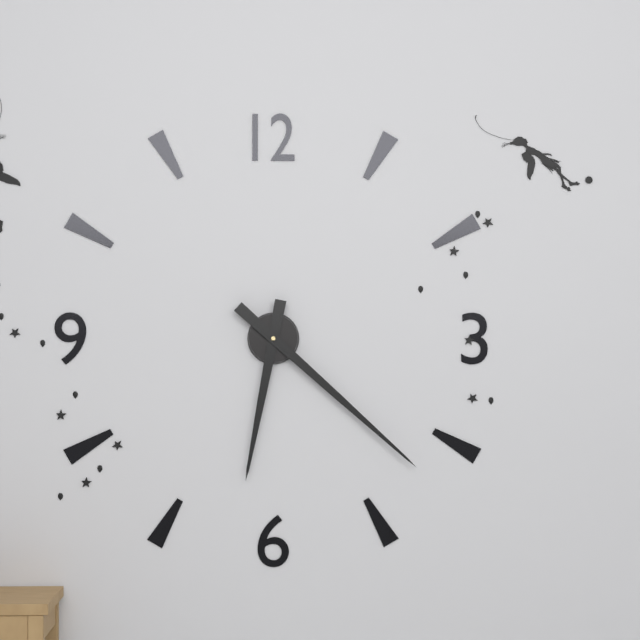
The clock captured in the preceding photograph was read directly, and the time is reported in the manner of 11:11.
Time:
6:22
